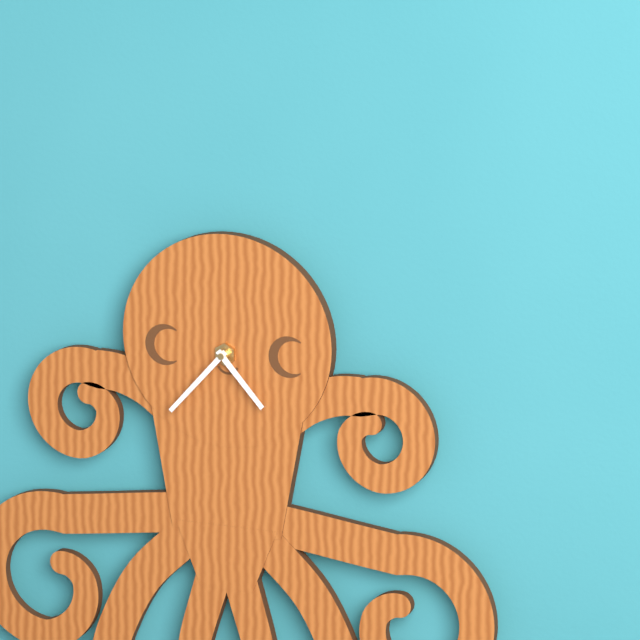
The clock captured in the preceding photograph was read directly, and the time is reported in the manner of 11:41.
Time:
4:37
